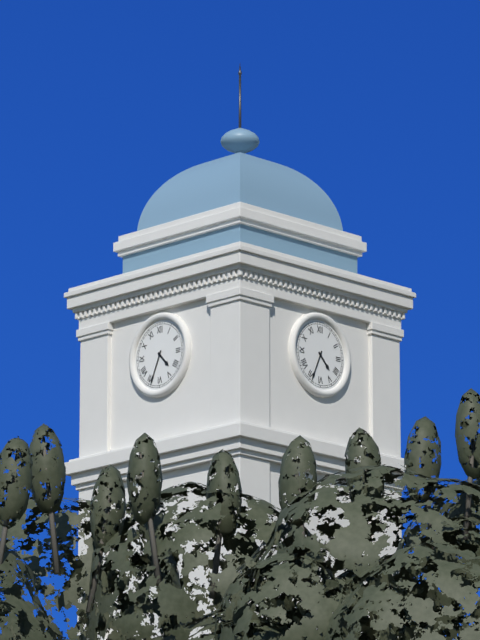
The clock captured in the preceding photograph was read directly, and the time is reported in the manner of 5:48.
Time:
4:34
